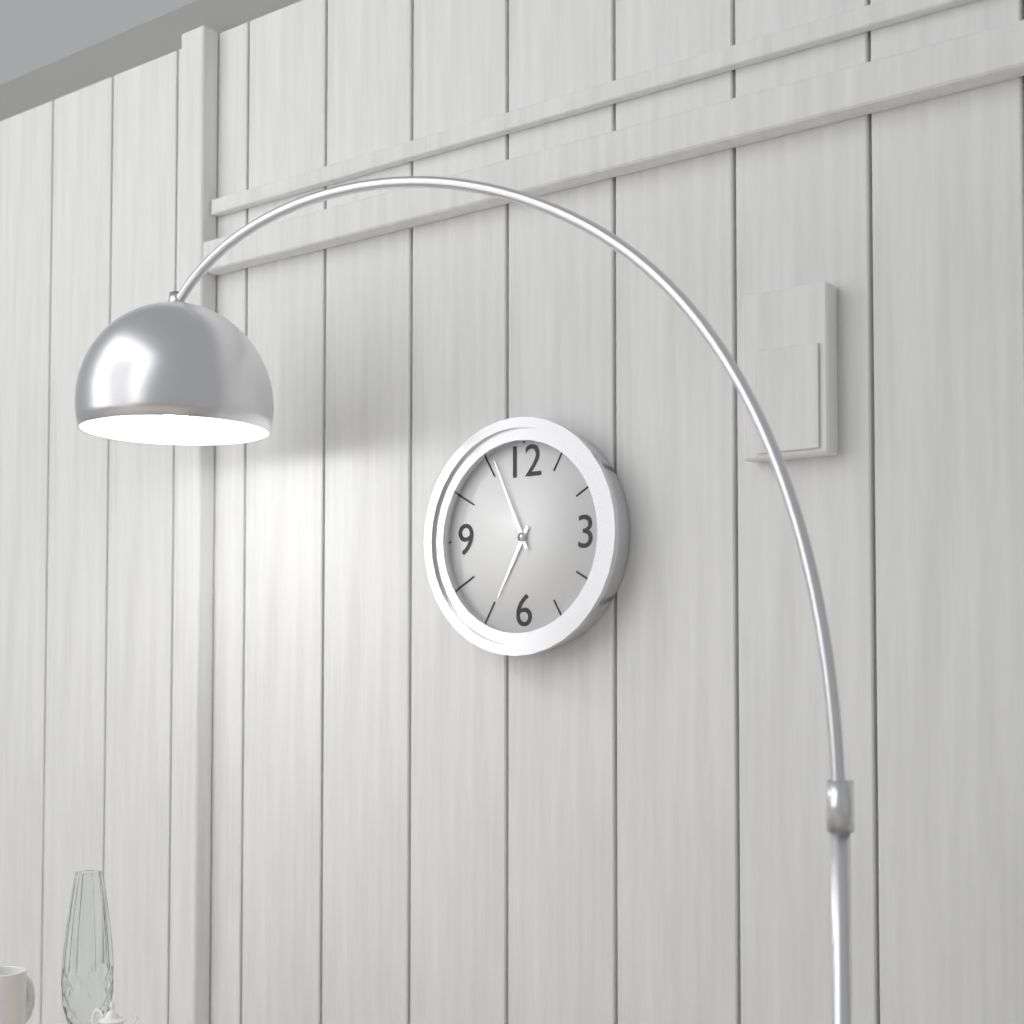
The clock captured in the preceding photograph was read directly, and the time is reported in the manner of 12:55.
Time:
6:56
